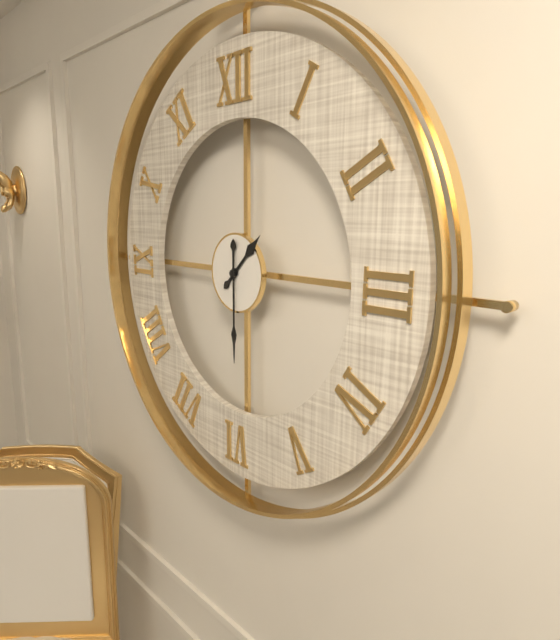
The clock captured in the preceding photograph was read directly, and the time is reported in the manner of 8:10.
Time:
1:30
